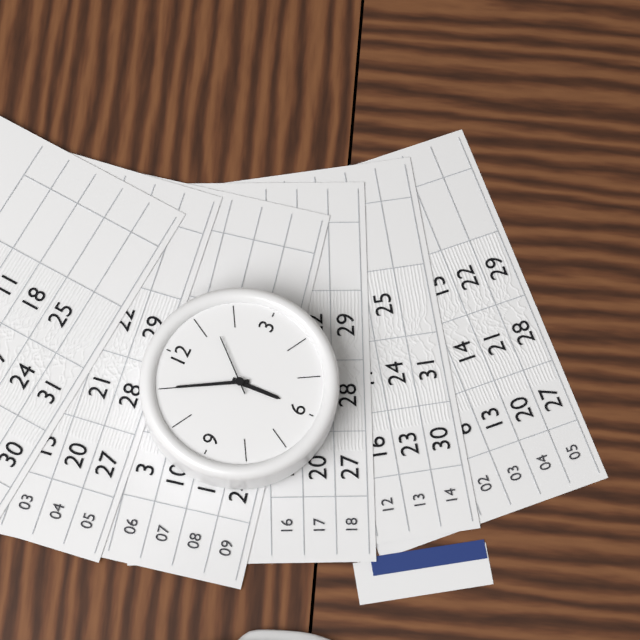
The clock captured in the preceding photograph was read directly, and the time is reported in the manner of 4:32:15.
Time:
5:55:07
